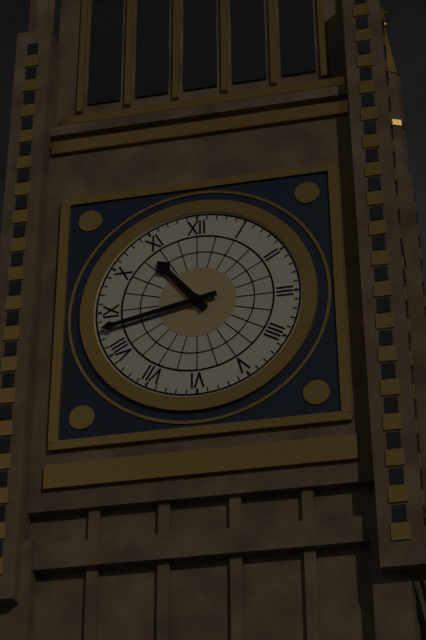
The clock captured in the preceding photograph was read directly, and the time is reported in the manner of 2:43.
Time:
10:43
